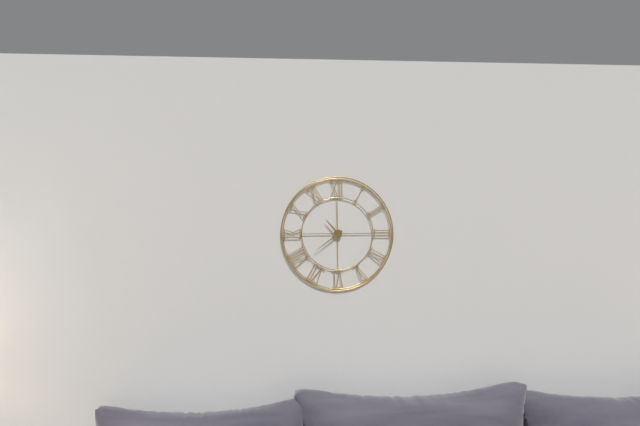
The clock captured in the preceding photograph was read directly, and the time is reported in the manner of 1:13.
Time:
10:39
